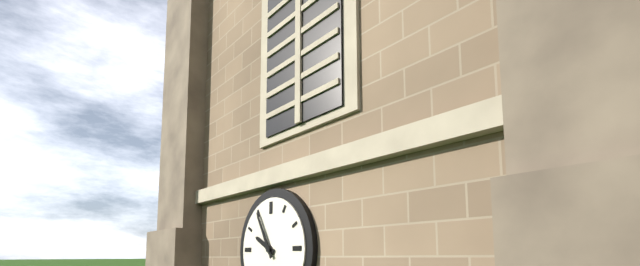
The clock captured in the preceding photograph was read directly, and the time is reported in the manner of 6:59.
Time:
9:55
